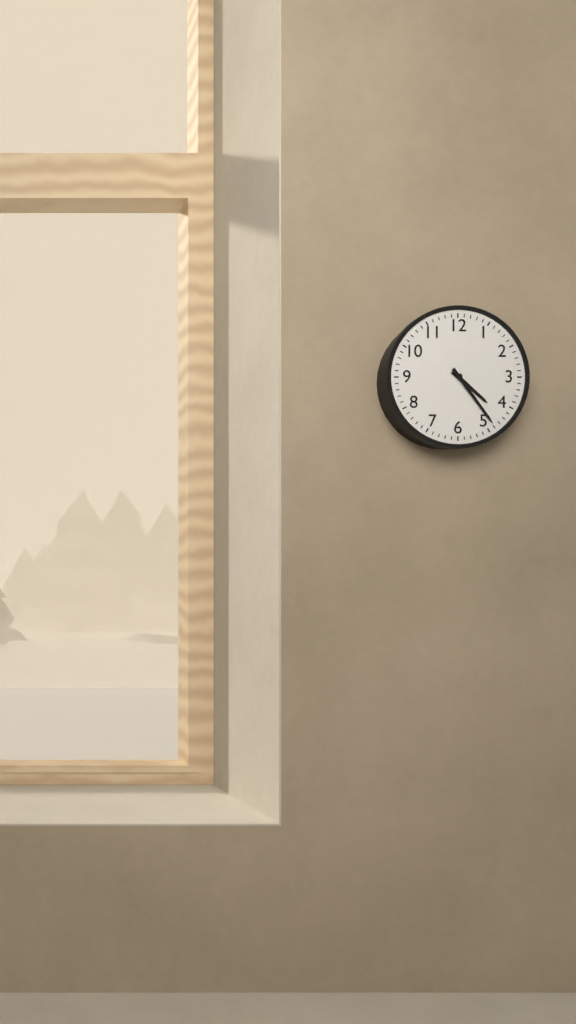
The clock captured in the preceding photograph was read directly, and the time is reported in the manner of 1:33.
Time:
4:24
